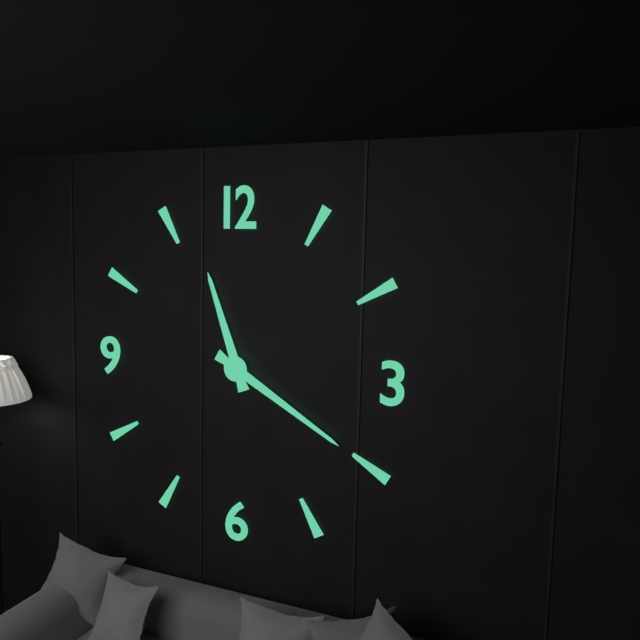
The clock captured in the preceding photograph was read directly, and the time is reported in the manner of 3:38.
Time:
11:20
